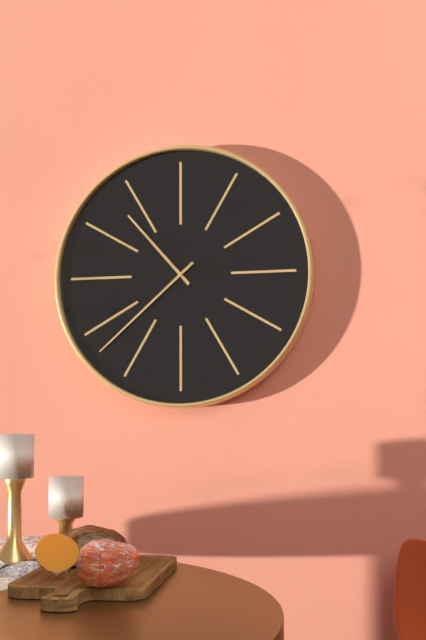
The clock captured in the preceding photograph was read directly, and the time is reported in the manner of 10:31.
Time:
10:38
